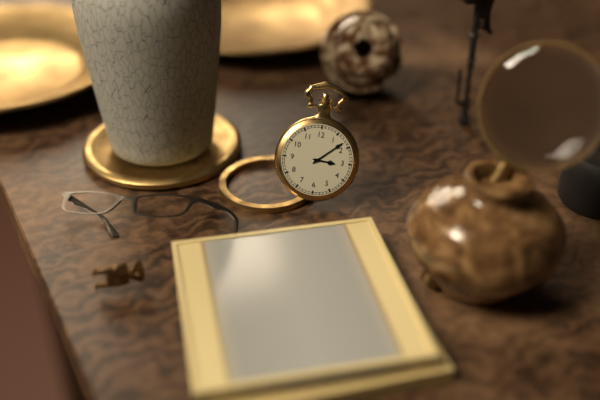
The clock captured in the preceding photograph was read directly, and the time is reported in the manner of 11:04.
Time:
3:08
